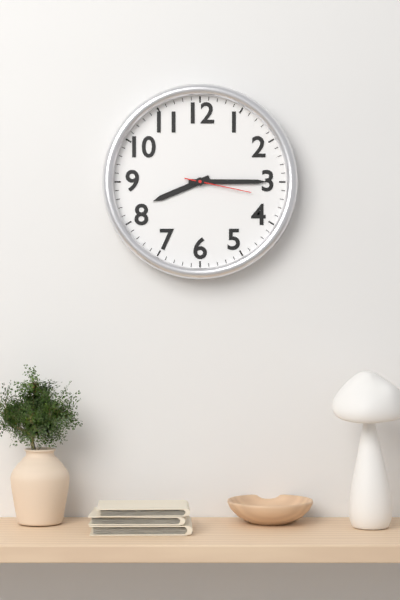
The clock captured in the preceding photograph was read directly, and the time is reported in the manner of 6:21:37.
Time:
8:15:17
